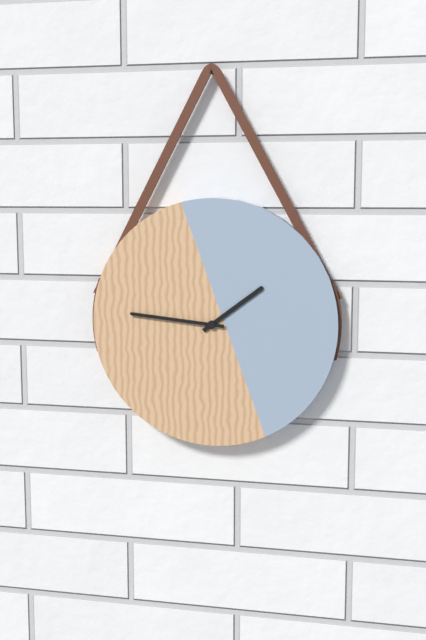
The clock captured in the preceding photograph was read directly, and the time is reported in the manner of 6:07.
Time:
1:46
